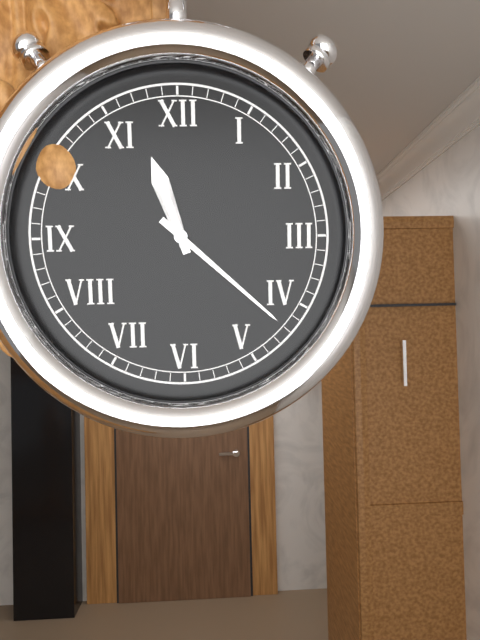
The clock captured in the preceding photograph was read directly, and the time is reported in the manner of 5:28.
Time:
11:22
